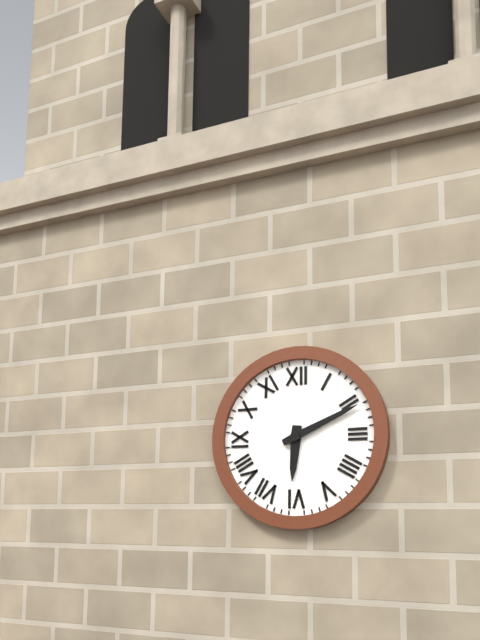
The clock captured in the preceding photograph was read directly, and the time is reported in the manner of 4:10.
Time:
6:11
